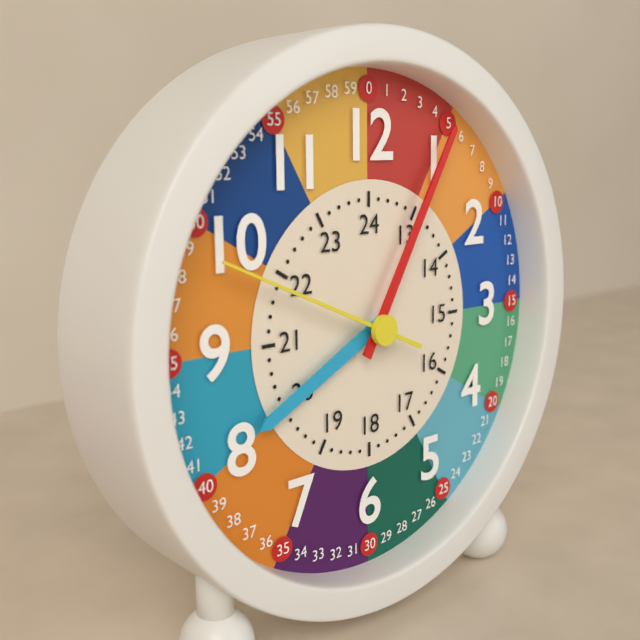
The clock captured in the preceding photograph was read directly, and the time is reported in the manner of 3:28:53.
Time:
8:05:49
